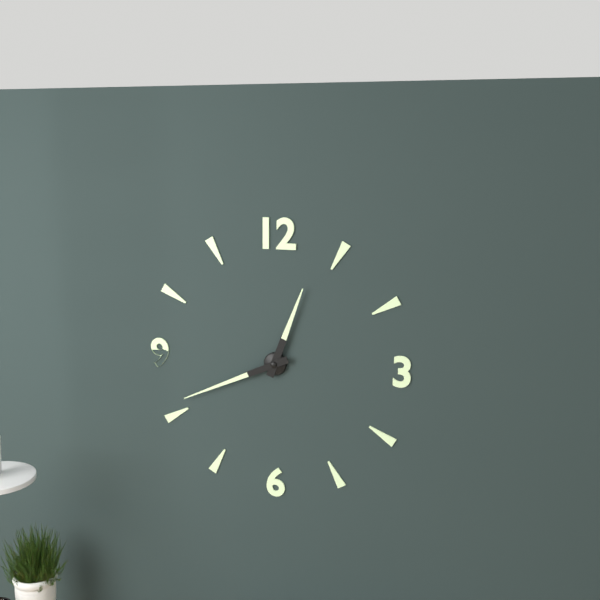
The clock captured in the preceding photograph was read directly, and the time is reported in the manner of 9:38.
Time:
12:41
